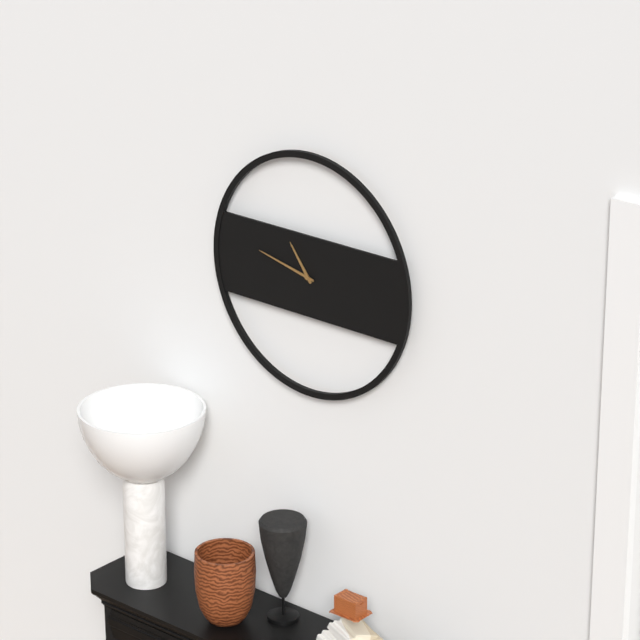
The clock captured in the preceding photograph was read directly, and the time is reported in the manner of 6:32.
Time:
10:47
